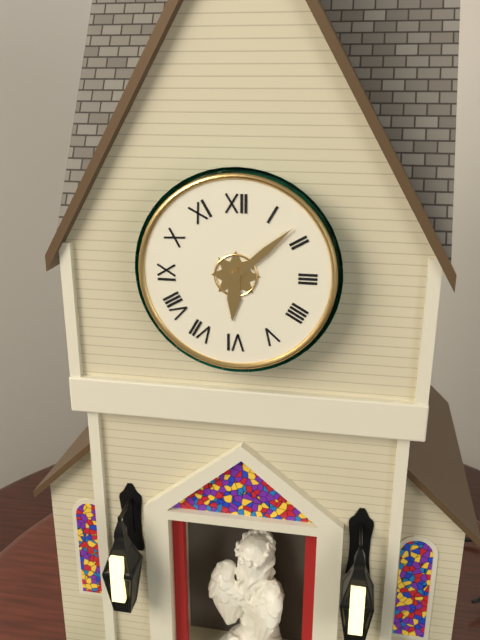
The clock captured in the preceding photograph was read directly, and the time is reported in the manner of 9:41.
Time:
6:08
